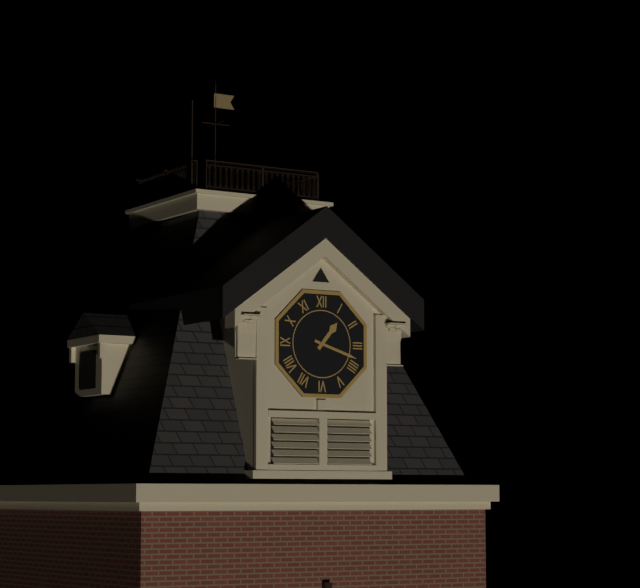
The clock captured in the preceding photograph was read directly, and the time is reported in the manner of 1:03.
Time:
1:18
